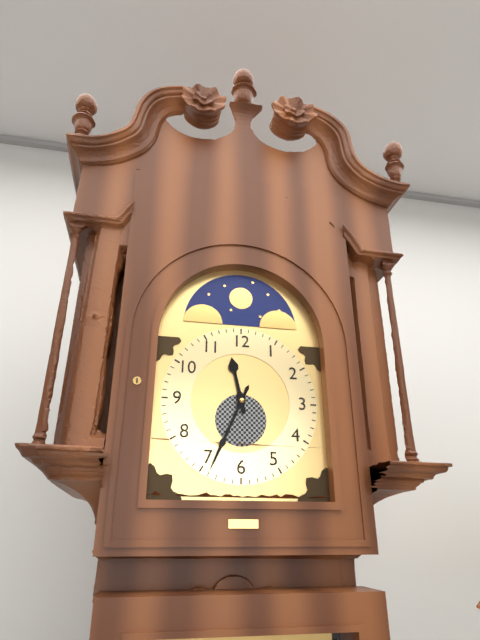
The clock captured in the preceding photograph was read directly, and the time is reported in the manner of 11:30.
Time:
11:34
